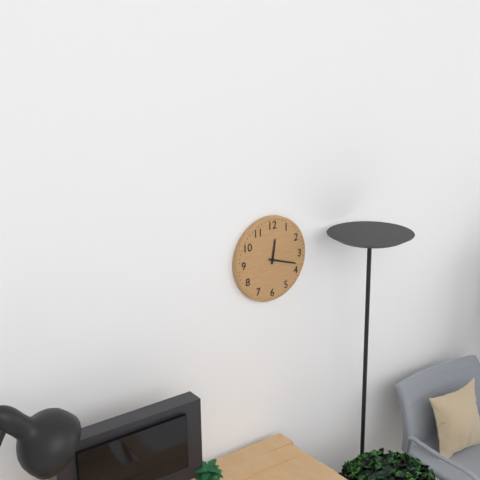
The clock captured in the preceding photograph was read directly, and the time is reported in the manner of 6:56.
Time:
12:18
